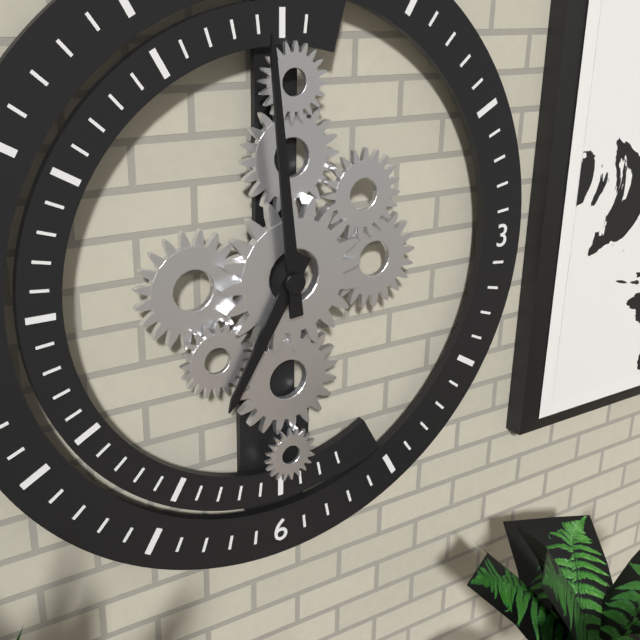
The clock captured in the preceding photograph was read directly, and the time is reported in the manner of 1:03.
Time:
6:59
